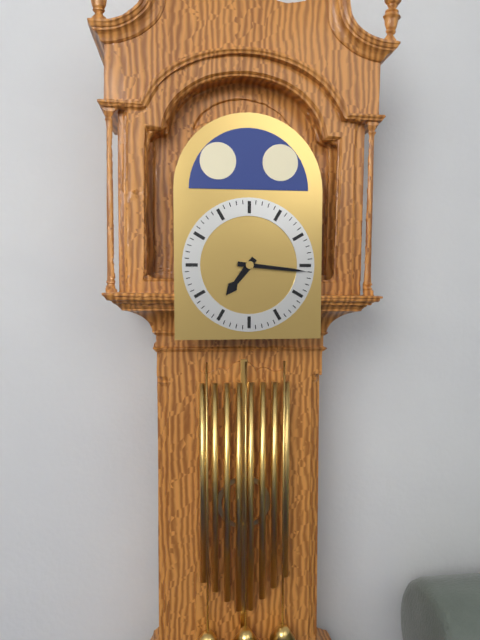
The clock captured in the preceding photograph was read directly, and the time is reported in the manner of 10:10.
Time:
7:16
